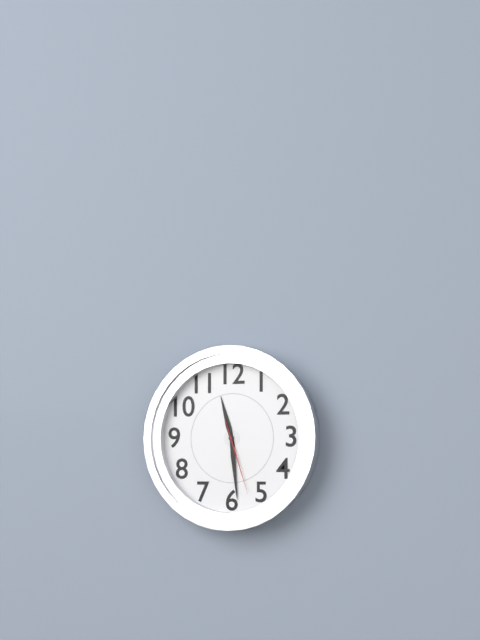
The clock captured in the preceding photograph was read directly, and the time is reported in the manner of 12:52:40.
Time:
11:29:27
